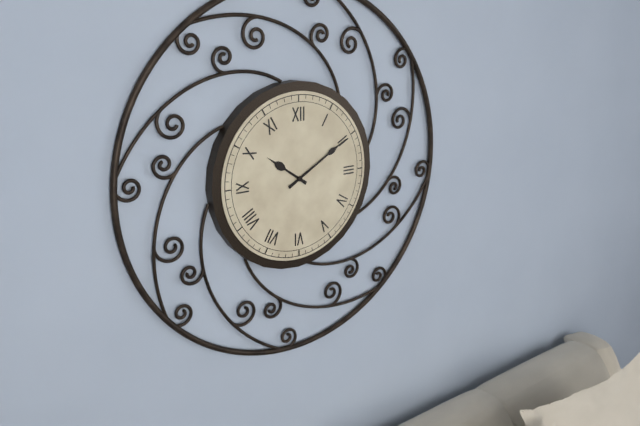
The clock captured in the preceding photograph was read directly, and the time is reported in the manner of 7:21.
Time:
10:10
